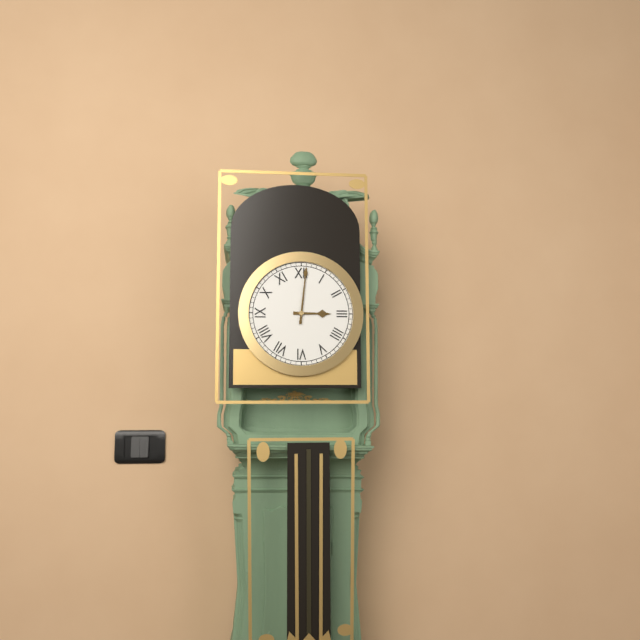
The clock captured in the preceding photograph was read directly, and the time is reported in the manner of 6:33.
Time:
3:01
